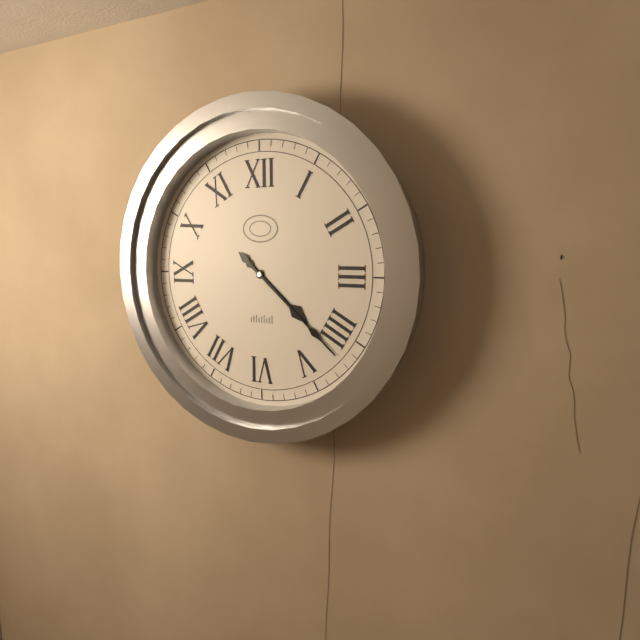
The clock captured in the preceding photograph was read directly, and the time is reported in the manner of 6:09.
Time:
4:22
